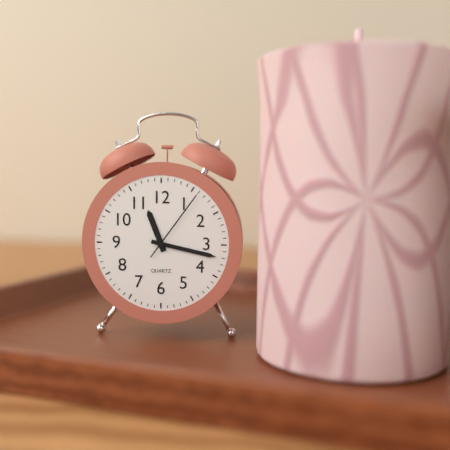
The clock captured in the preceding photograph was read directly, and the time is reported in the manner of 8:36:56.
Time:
11:17:06
